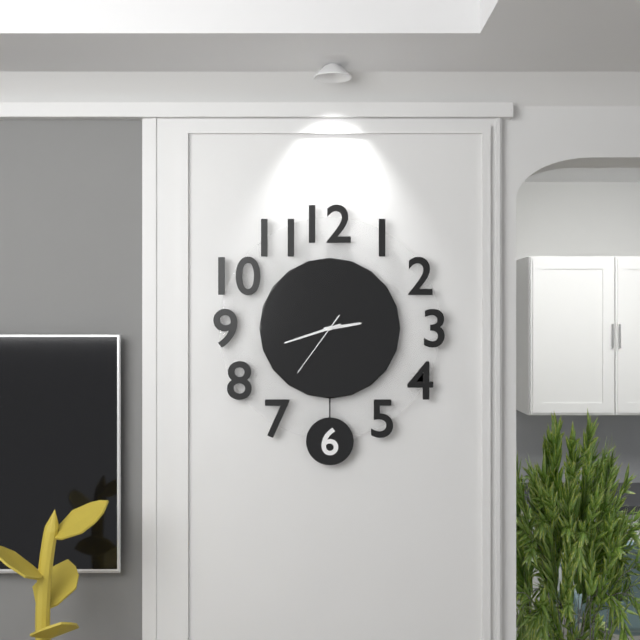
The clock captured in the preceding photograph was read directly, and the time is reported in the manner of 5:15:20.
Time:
2:42:36
